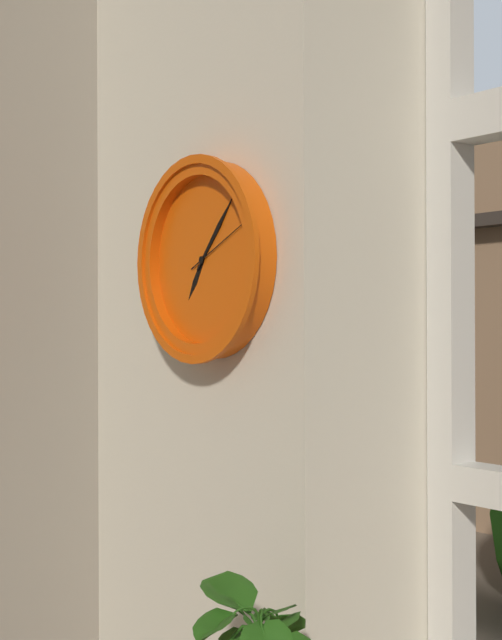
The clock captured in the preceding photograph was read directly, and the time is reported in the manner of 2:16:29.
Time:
7:07:11
